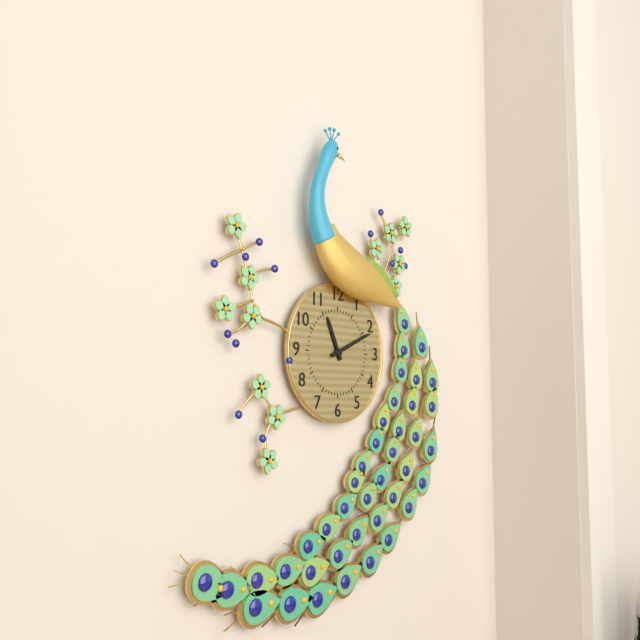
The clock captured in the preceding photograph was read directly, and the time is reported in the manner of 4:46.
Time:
11:11
